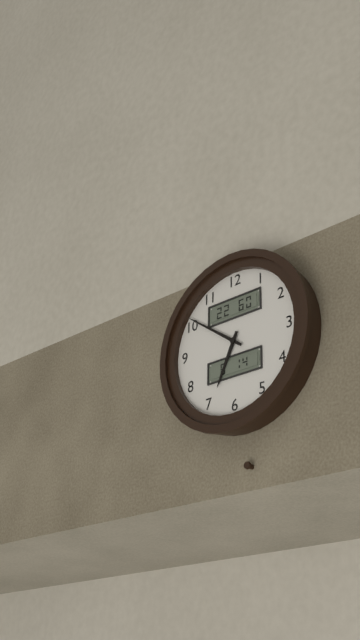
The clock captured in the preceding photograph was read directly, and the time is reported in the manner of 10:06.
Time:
6:51
